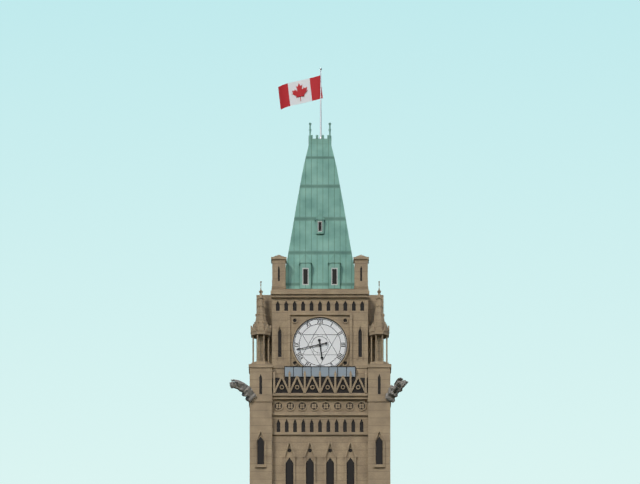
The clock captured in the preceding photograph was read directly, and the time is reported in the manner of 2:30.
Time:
5:43
